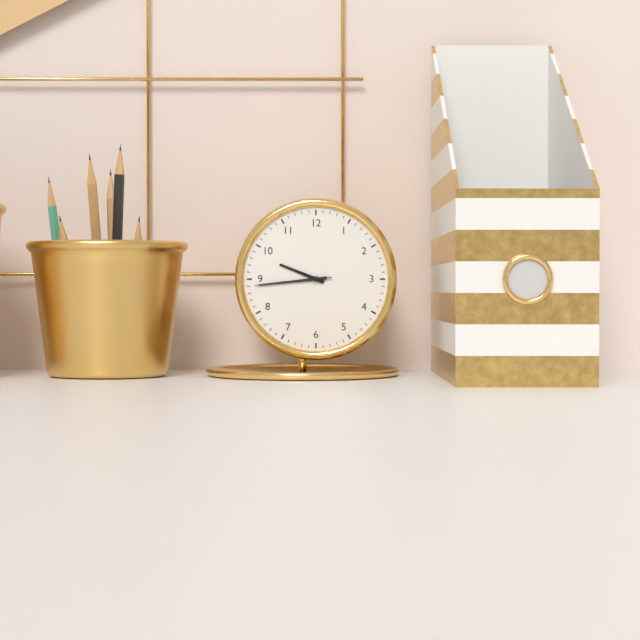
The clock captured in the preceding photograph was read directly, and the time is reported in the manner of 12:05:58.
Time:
9:44:44
